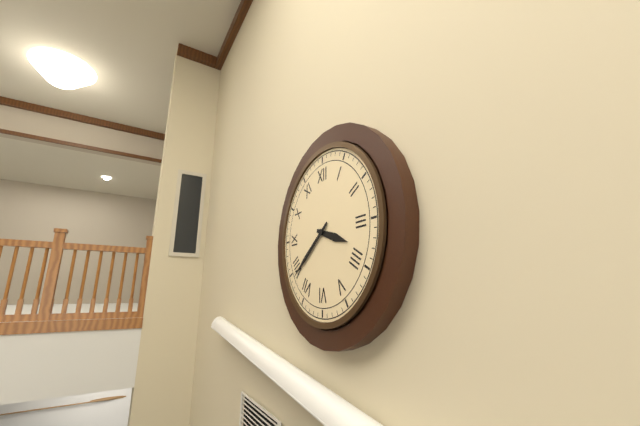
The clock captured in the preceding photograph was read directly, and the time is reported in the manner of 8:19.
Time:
3:39
